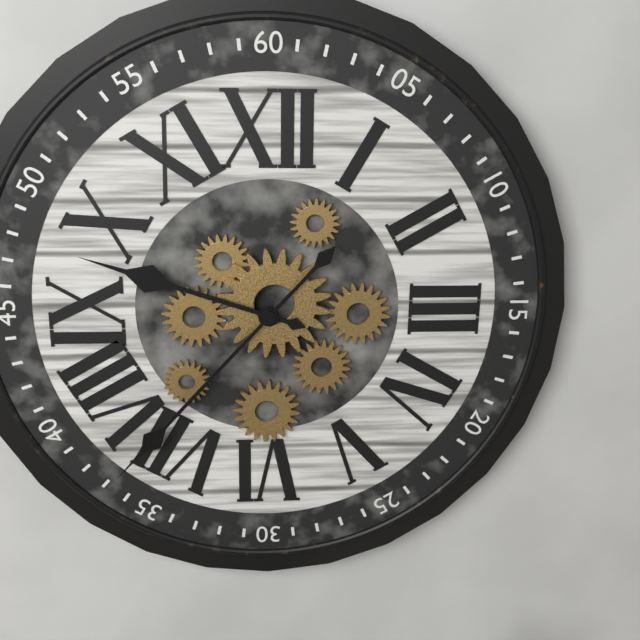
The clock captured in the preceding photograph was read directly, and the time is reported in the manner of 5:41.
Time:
9:37
